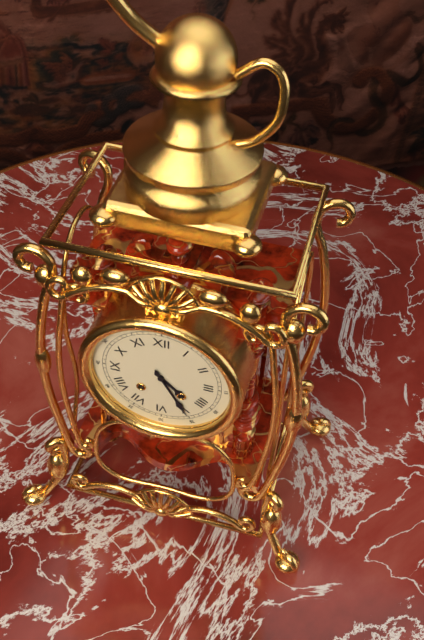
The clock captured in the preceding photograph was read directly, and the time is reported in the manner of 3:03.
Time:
4:25
